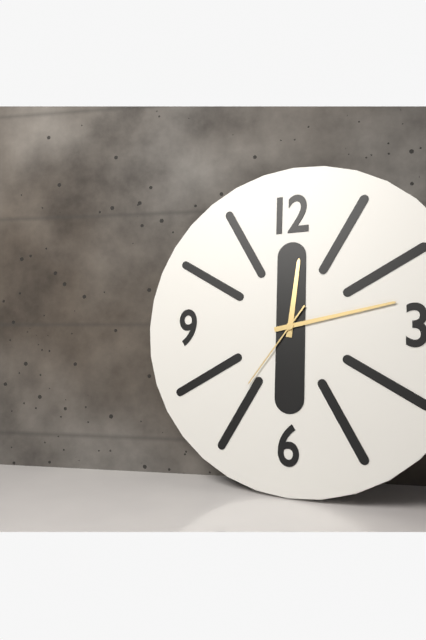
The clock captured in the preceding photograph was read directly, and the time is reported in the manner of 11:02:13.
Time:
12:13:36
